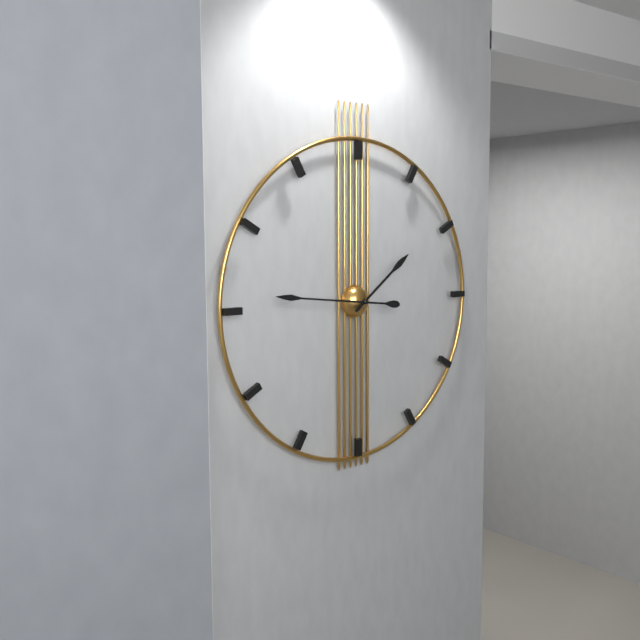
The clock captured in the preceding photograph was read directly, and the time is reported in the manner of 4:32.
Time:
1:46
